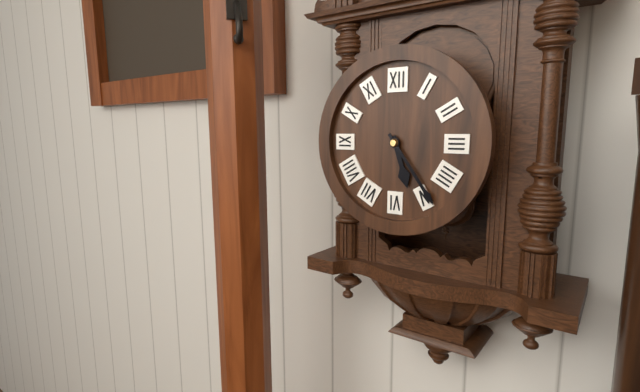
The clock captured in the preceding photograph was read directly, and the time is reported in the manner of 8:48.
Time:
5:24
